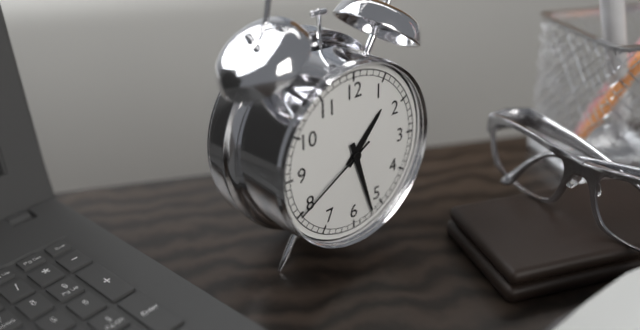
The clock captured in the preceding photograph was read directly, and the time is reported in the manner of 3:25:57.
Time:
1:27:40
